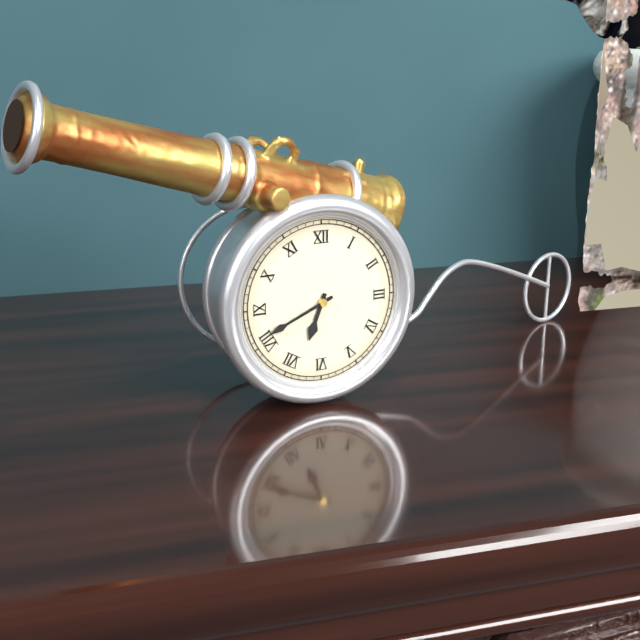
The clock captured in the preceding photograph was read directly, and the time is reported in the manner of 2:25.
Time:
6:41
